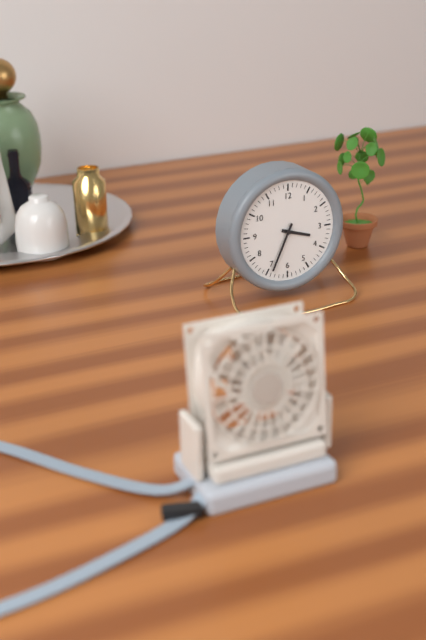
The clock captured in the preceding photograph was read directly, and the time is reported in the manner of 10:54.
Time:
3:34
